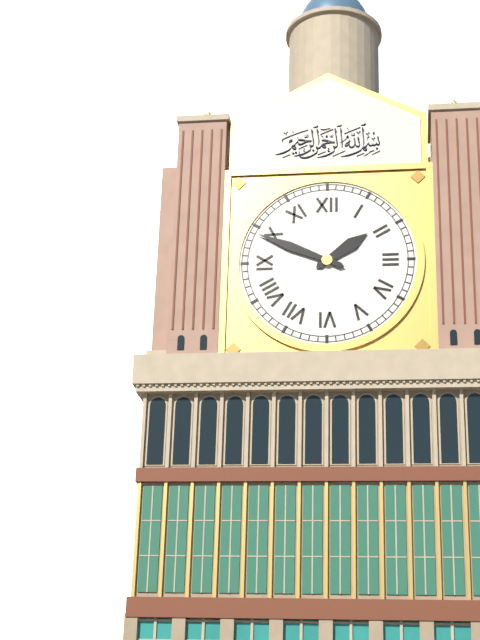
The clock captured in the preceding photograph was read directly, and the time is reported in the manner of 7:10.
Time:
1:49
